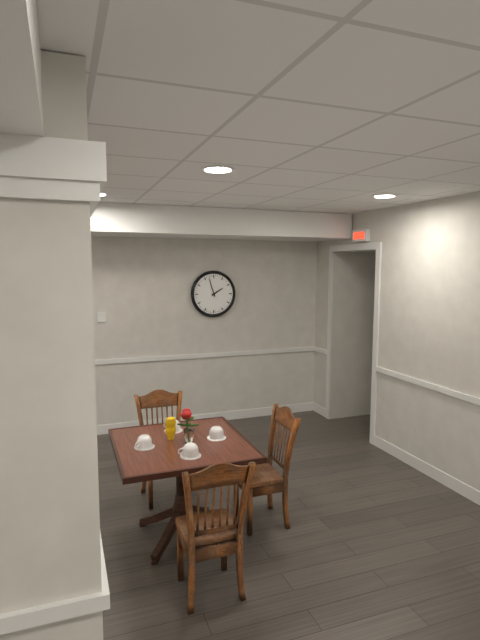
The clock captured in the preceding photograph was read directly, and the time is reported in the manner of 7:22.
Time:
1:57
